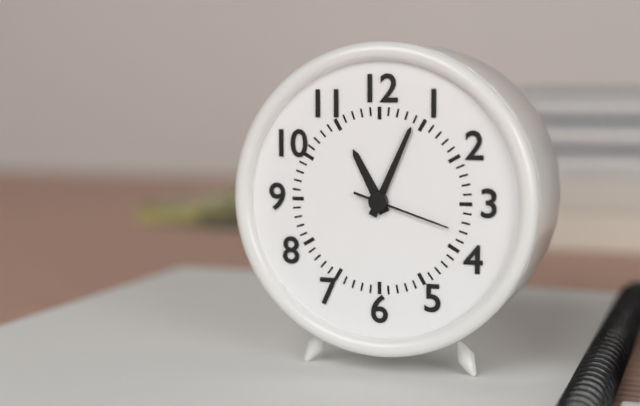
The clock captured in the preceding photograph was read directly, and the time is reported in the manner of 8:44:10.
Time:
11:04:18
